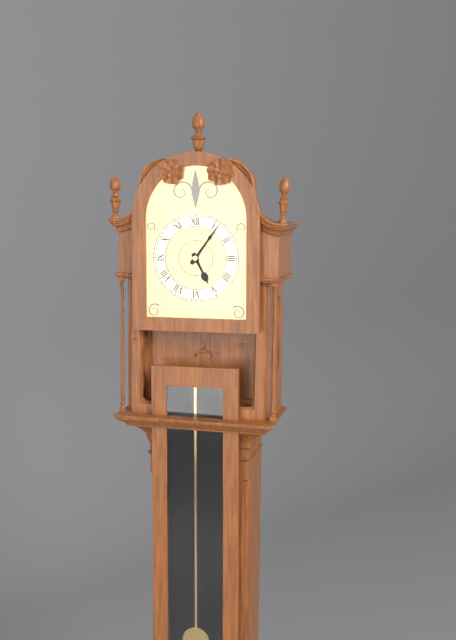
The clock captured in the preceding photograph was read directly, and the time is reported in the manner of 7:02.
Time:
5:06
